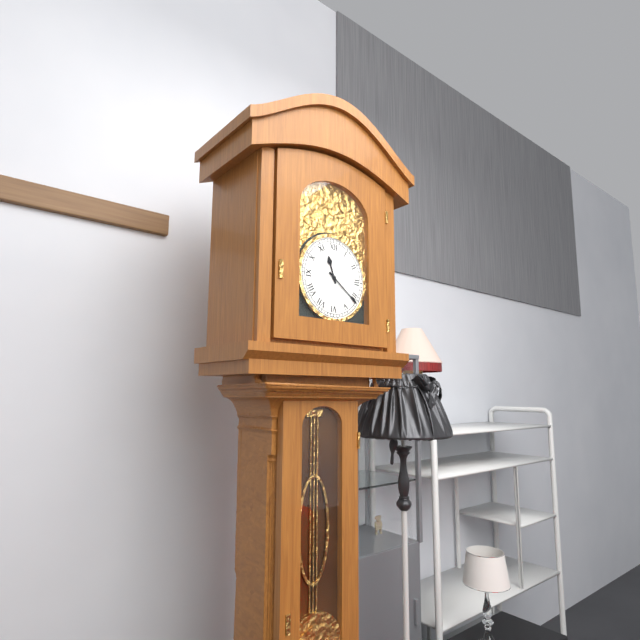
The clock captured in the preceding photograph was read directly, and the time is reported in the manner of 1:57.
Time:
11:21
